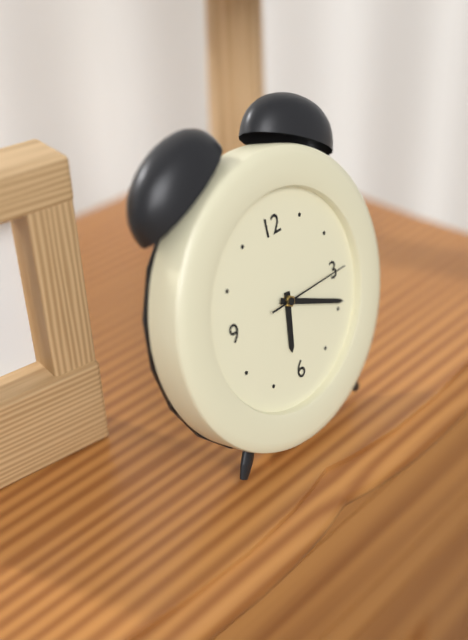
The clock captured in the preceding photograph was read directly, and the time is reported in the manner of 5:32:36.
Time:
6:19:15
